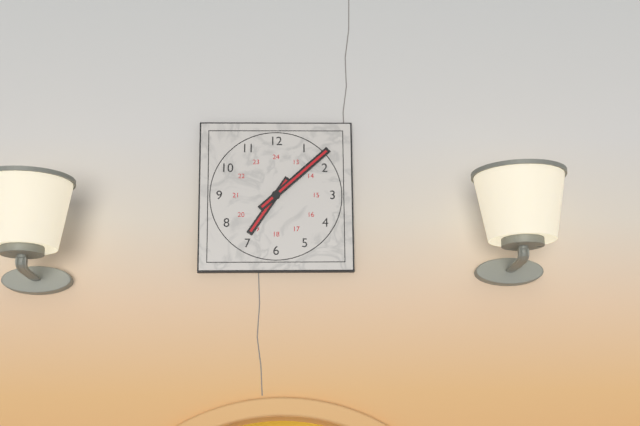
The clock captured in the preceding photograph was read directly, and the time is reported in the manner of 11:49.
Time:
7:08
